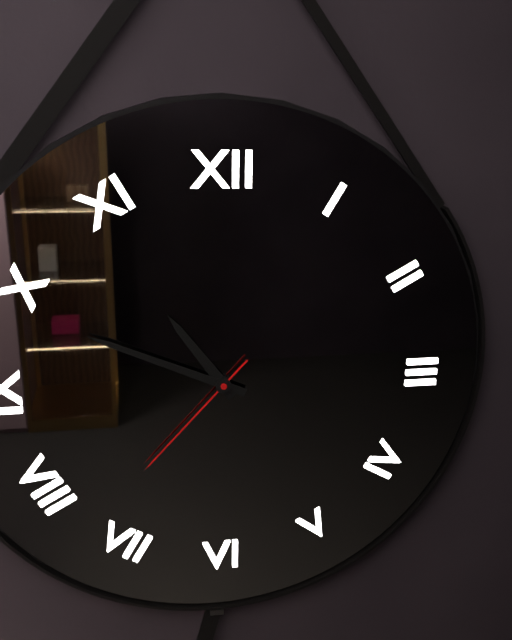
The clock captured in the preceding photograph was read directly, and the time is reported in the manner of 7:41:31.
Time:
10:49:37
